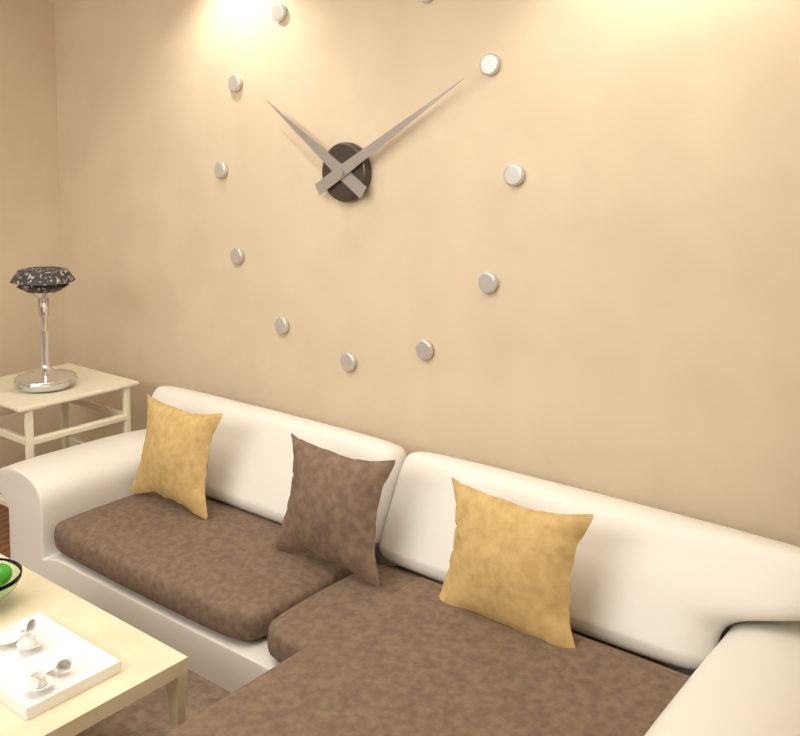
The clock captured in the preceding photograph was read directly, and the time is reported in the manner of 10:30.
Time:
10:10
